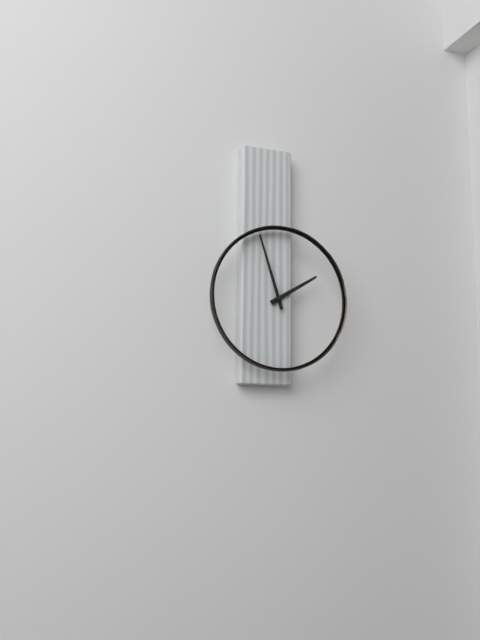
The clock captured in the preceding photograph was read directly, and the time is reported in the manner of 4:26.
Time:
1:57
